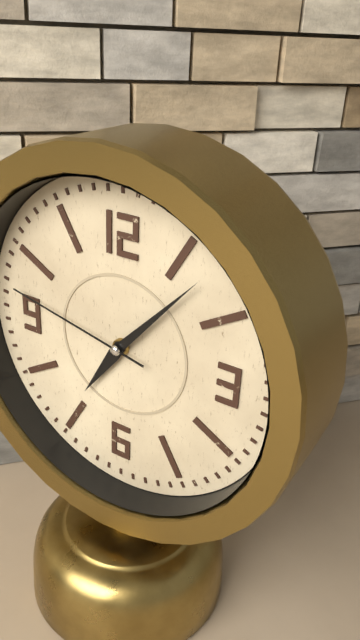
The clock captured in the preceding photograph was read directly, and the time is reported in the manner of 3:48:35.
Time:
7:07:47
